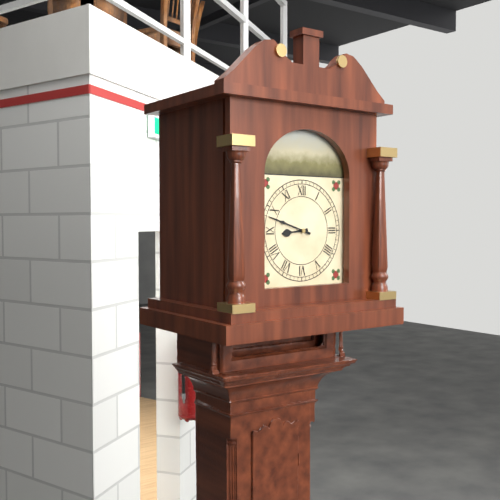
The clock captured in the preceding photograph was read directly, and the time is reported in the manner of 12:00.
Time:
8:48
